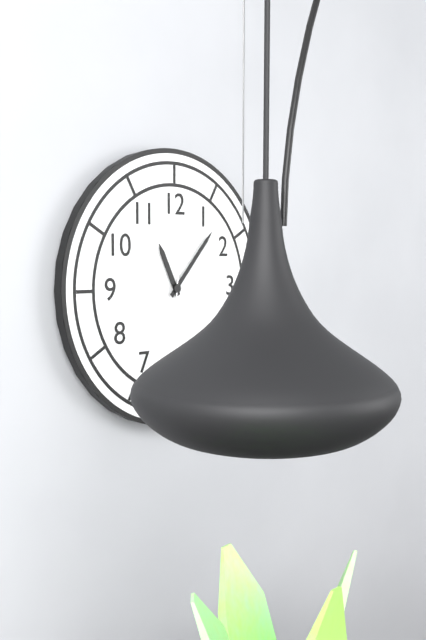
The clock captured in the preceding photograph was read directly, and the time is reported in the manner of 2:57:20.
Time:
11:07:01
